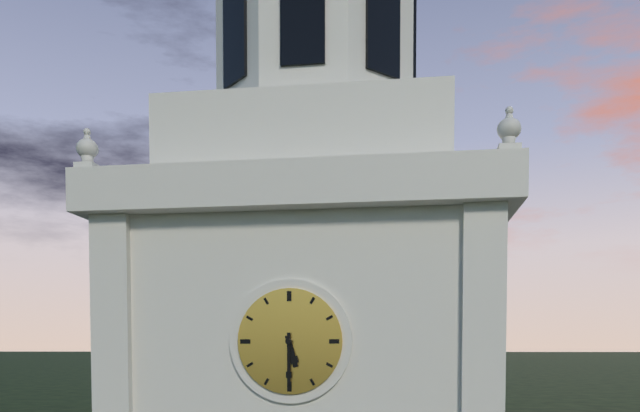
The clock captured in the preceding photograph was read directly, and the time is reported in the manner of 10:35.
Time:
5:30
